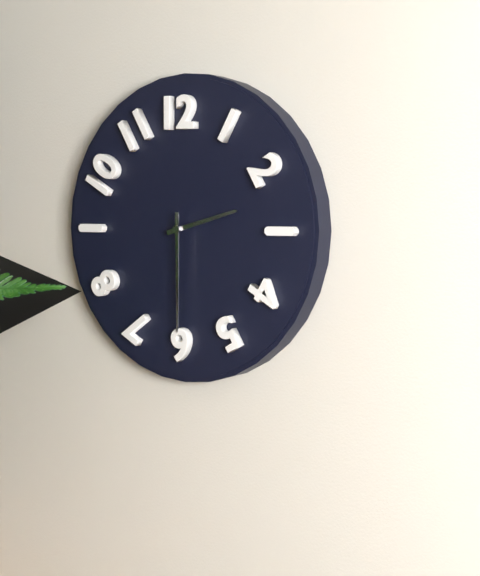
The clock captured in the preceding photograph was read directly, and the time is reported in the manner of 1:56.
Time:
2:30
